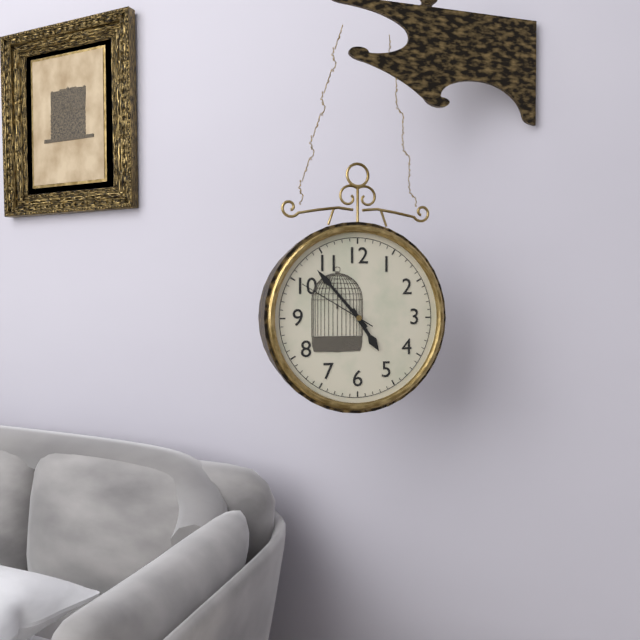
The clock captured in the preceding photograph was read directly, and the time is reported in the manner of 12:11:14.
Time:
4:53:50
